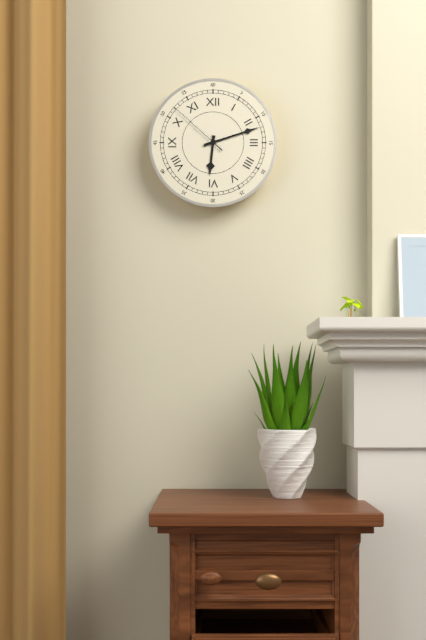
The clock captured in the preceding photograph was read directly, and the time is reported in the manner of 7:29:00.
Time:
6:12:52
